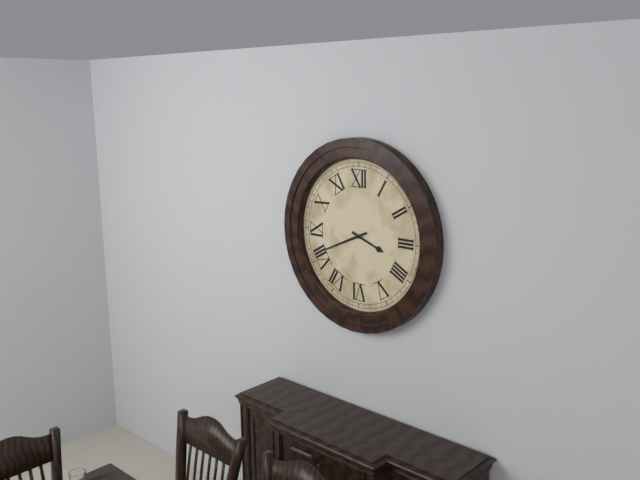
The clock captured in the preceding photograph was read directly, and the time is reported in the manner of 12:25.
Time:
3:41
